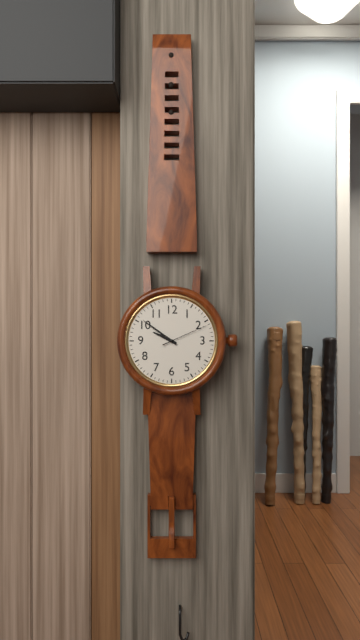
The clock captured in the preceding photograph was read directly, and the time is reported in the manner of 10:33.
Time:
9:51
